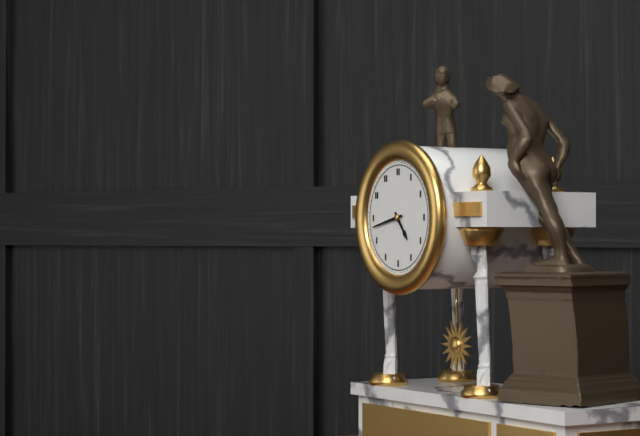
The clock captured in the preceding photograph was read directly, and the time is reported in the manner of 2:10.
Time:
4:43
